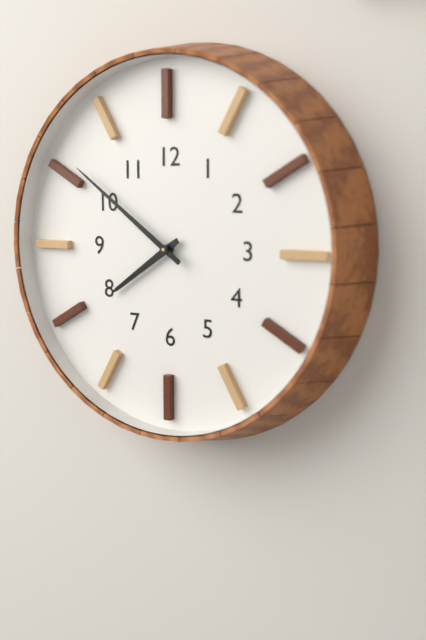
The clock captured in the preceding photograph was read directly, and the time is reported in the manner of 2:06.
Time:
7:51
